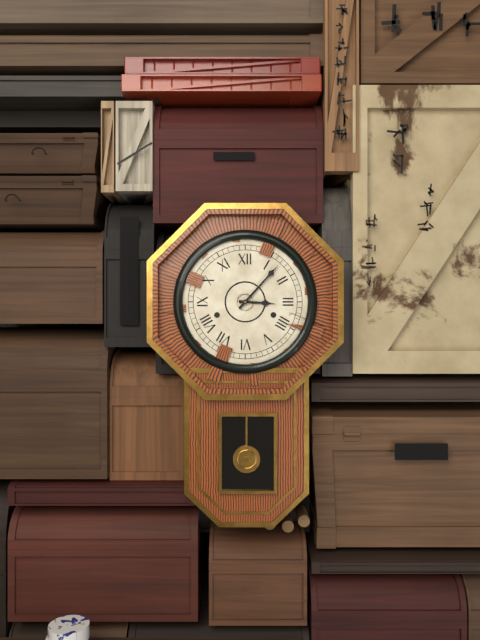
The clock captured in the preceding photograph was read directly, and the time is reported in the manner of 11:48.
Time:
3:07
